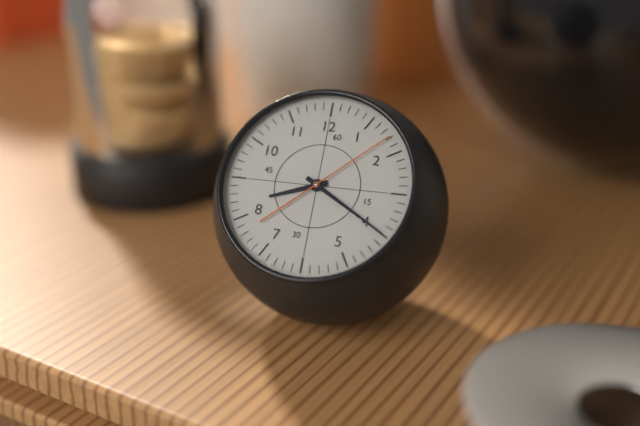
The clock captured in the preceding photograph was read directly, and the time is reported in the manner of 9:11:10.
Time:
8:20:08
